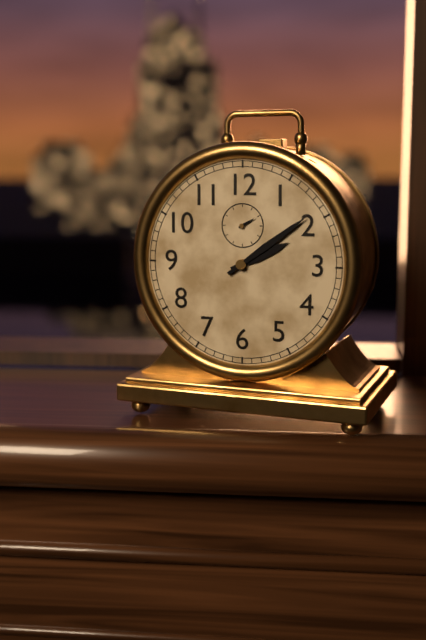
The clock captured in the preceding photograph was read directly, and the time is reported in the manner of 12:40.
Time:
2:09
